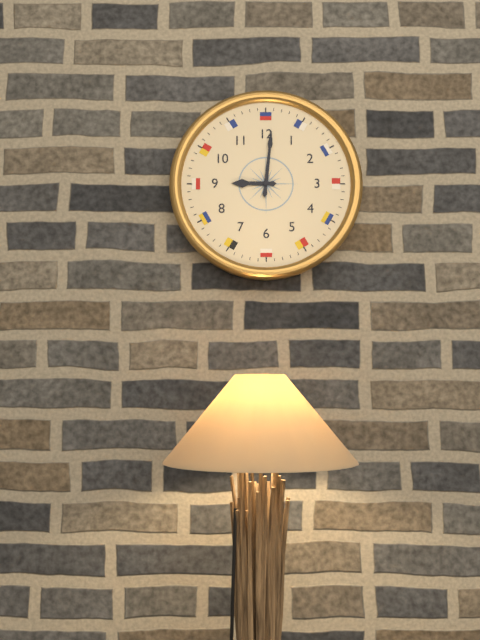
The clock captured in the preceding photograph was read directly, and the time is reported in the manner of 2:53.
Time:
9:01
